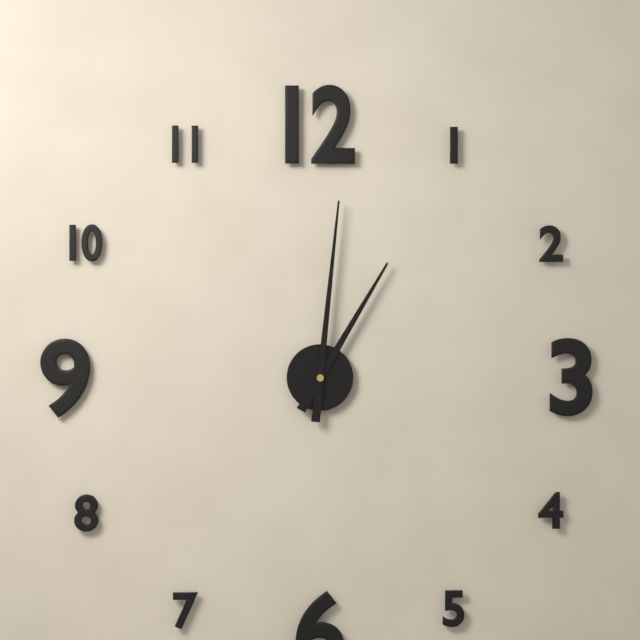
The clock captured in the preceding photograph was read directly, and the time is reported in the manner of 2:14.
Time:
1:01
